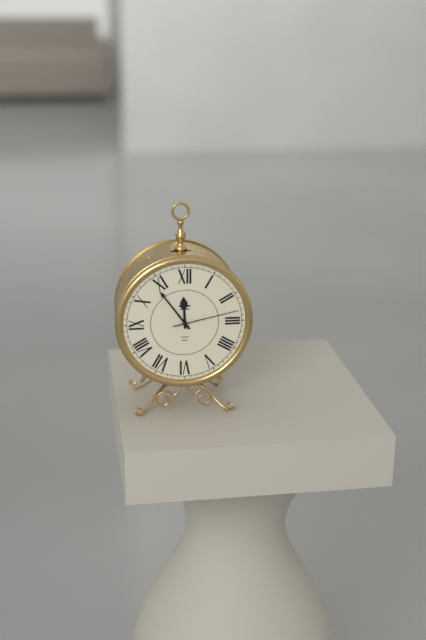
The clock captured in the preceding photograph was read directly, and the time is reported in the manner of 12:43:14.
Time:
11:54:13
